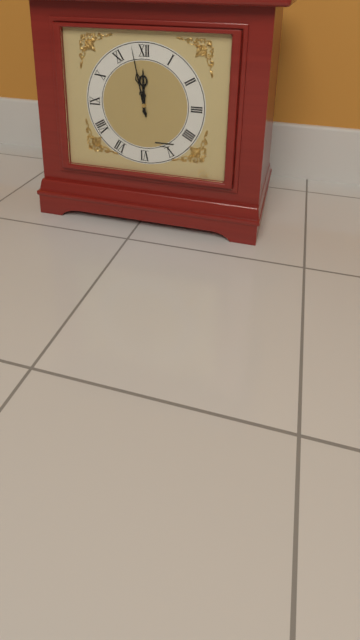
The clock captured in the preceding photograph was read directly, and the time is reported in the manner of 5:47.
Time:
11:58
